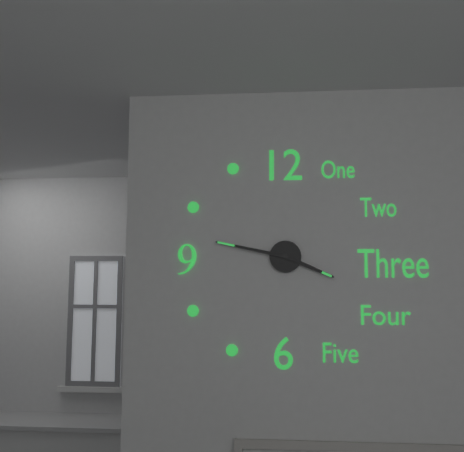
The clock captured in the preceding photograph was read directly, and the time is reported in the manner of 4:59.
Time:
3:47
